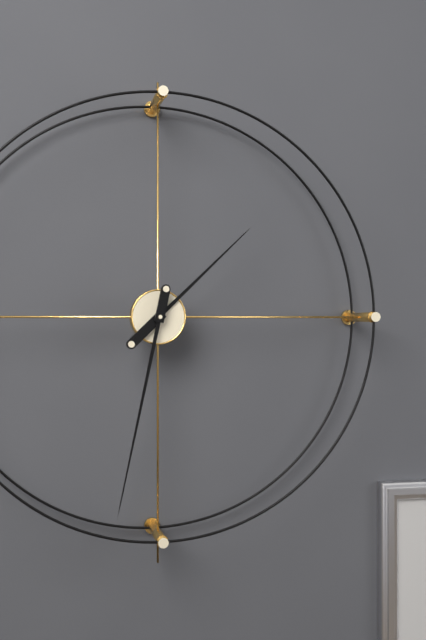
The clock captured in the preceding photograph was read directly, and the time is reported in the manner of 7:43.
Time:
1:32
